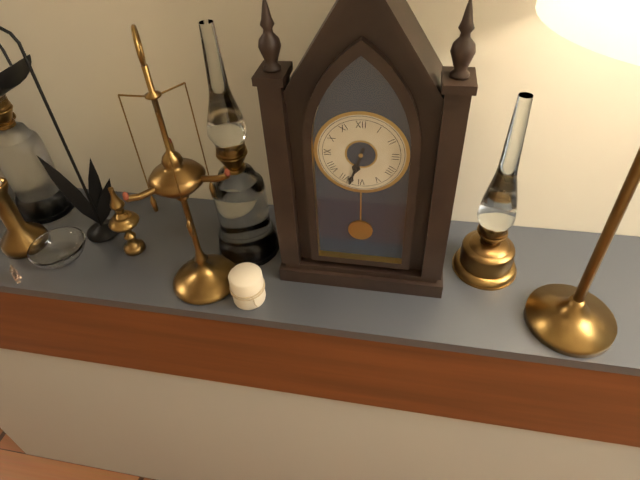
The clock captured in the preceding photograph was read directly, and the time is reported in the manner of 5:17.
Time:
6:33
